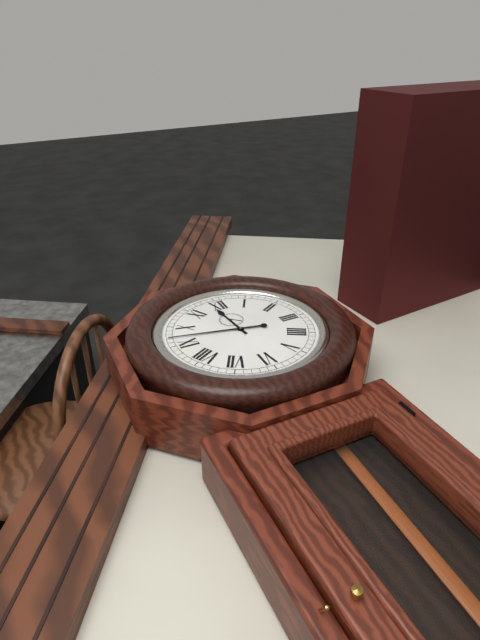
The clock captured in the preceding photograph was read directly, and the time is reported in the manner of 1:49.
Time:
11:47
